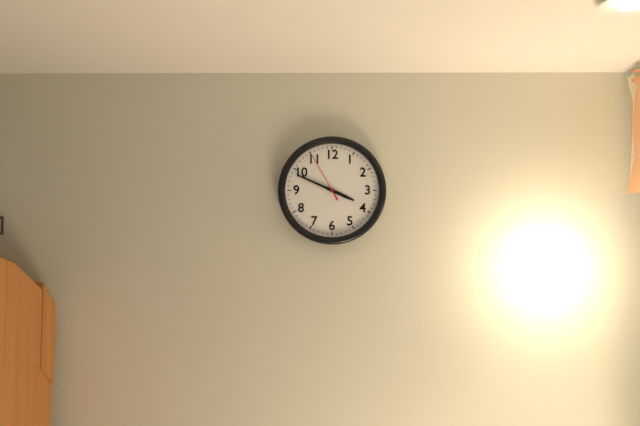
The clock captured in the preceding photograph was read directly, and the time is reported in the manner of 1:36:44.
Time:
3:49:55
